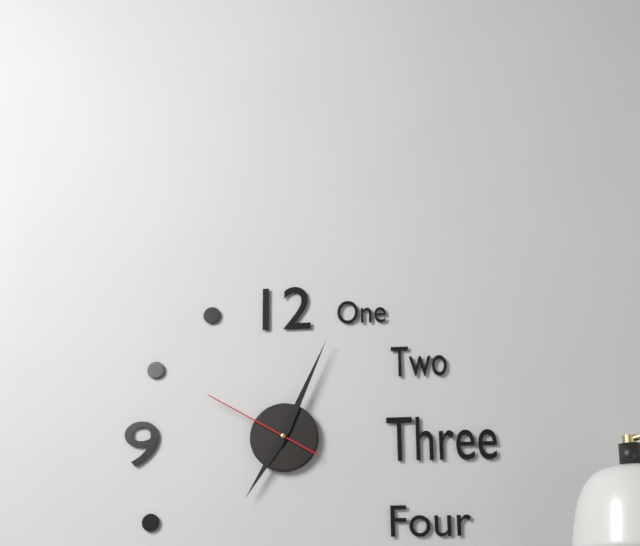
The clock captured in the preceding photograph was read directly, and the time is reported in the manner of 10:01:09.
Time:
7:04:50
